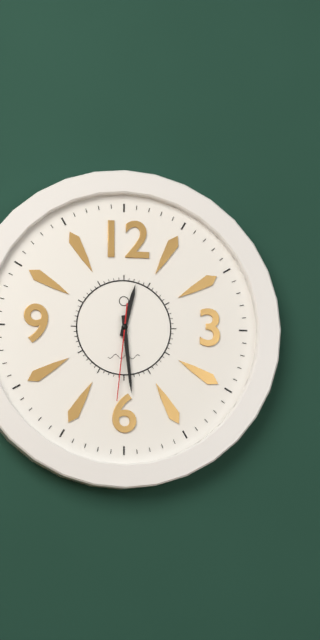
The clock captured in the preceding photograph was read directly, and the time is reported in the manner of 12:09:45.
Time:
12:29:31
